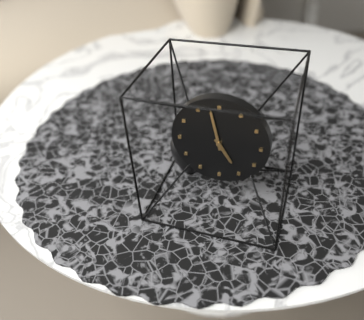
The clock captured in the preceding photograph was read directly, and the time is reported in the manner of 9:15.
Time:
4:58
